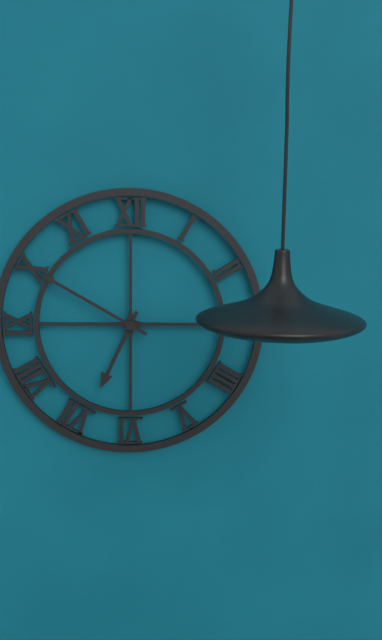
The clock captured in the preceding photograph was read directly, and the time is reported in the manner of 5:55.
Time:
6:50
